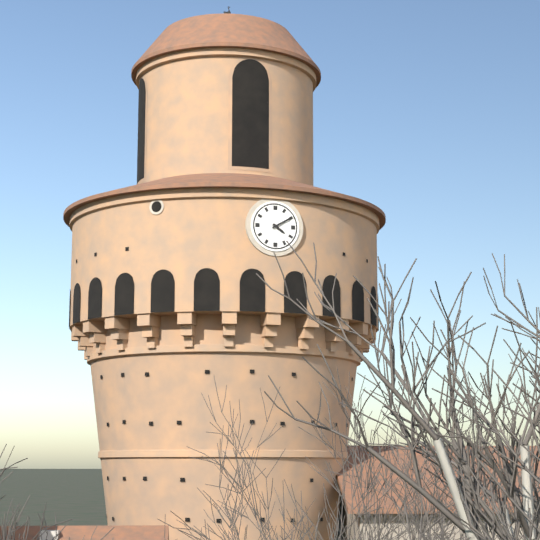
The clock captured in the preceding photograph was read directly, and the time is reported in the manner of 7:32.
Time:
4:10
